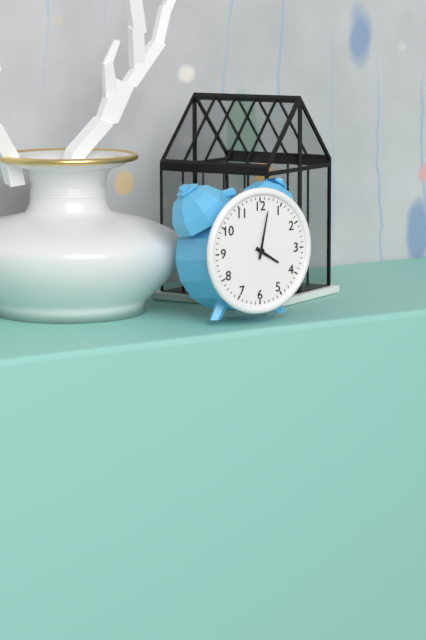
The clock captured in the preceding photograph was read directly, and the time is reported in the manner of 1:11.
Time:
4:02
